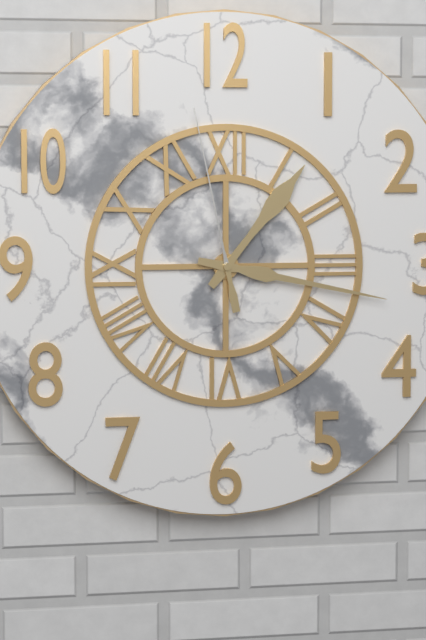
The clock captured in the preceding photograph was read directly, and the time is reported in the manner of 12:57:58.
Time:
1:17:58
